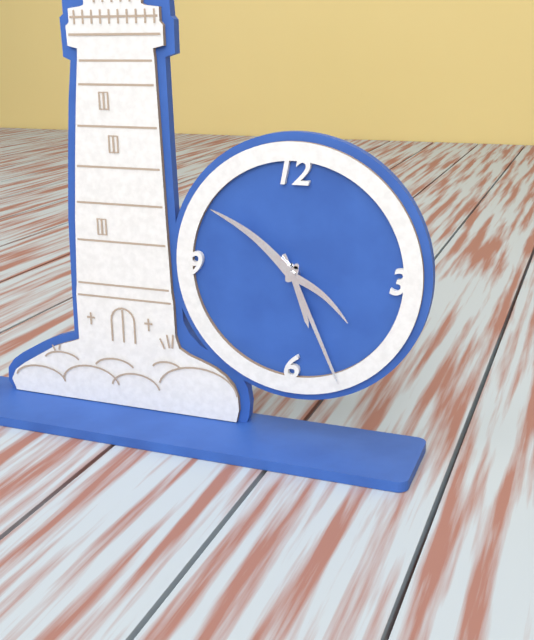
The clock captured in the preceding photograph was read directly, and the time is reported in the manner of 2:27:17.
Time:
5:26:51
